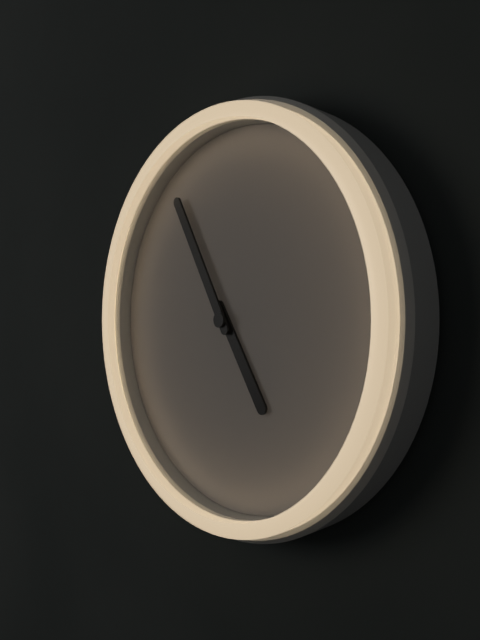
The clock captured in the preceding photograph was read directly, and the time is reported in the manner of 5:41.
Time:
4:55
